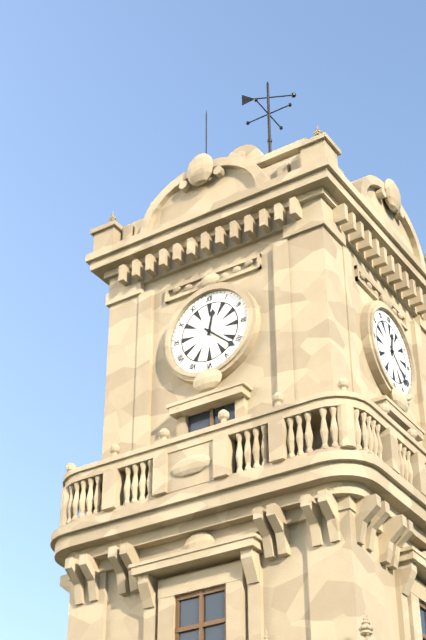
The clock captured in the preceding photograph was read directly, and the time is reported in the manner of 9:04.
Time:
12:22
